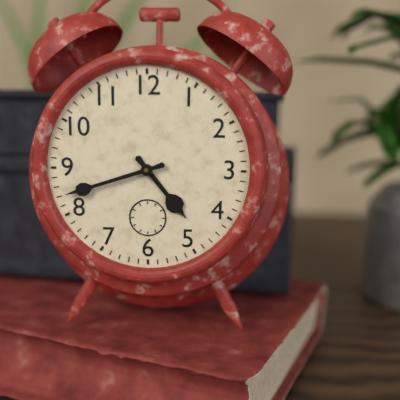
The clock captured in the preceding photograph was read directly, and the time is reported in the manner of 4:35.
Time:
4:42
